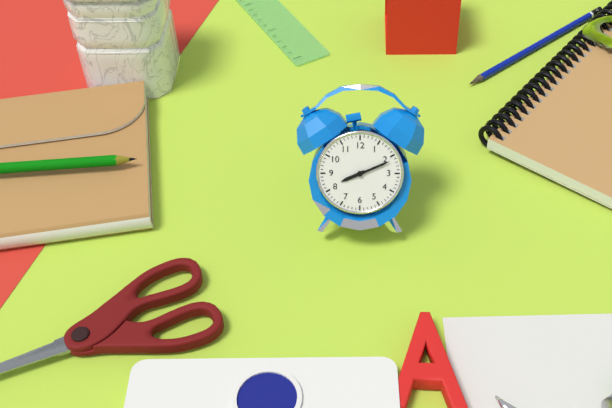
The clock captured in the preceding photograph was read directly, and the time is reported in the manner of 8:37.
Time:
8:11
